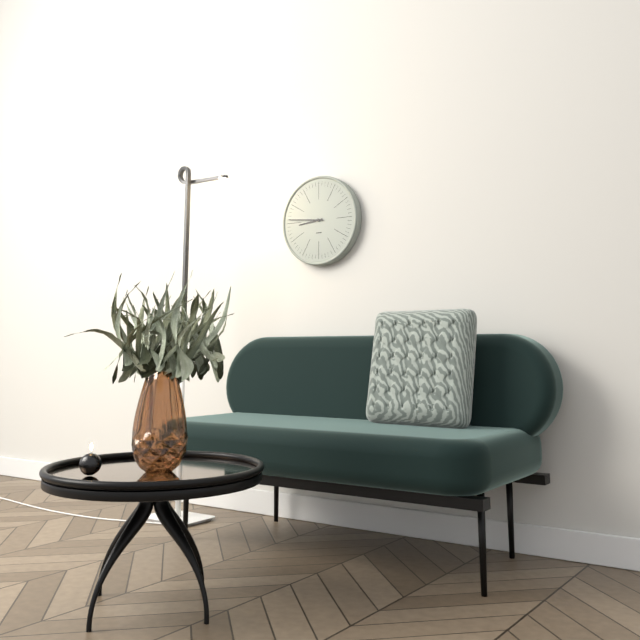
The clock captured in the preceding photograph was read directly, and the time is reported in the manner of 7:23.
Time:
8:46
